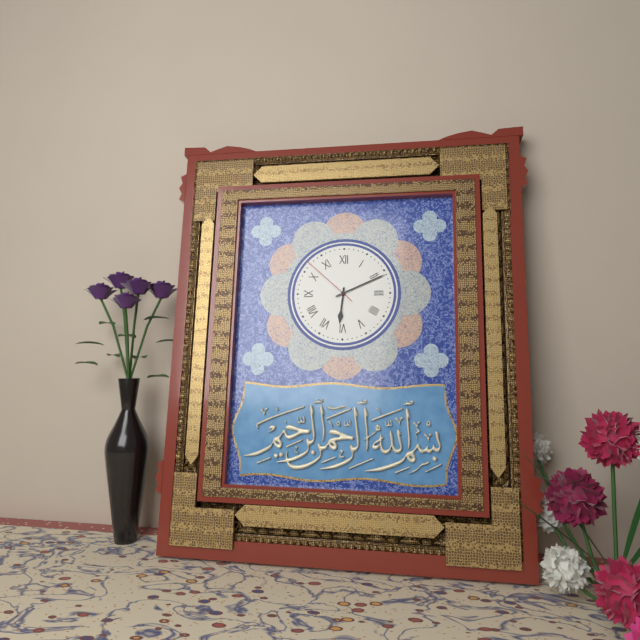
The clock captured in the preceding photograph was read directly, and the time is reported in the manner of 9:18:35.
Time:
6:11:52
